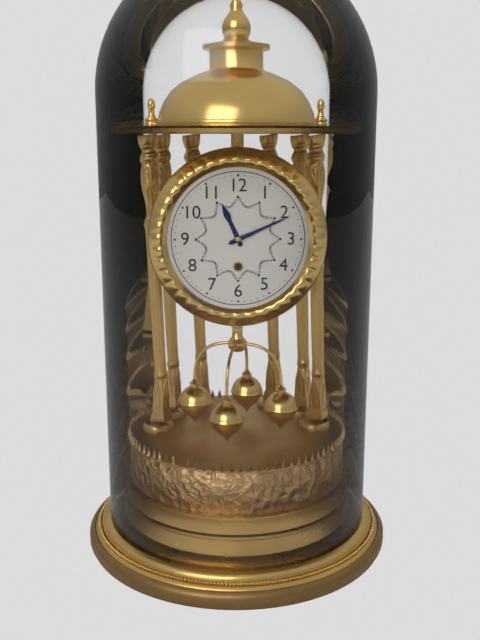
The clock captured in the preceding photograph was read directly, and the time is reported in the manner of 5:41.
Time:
11:11
